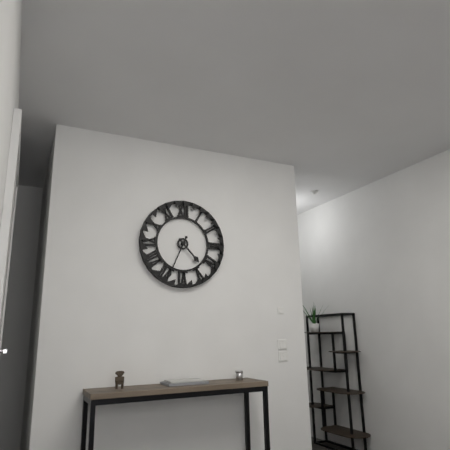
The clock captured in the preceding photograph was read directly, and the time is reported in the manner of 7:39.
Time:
4:34
